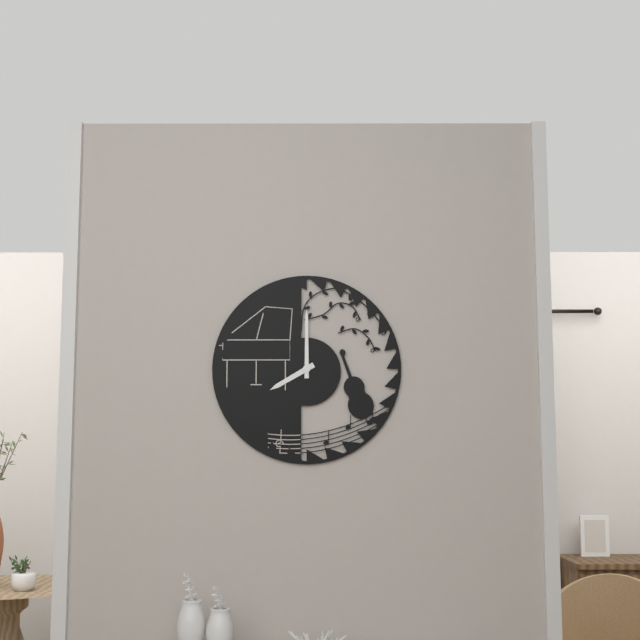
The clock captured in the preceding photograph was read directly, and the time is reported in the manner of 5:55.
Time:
8:00
